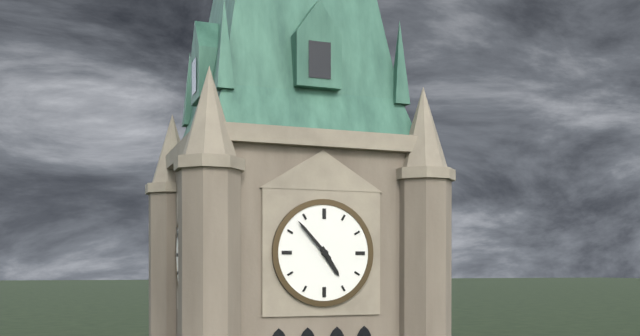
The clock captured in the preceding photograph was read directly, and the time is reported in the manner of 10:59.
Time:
4:53
